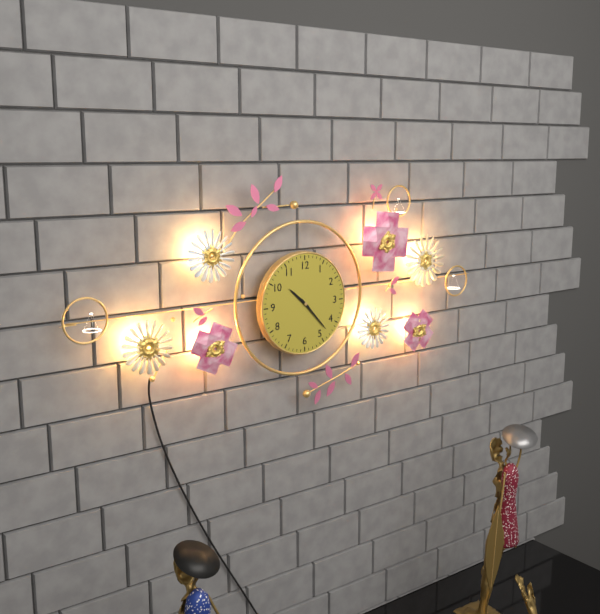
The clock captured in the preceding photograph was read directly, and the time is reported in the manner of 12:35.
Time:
10:23
